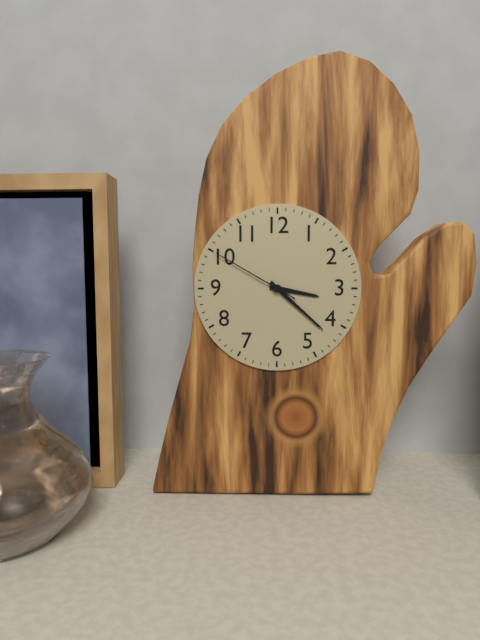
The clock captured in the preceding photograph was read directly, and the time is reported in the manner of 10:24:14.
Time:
3:22:50
